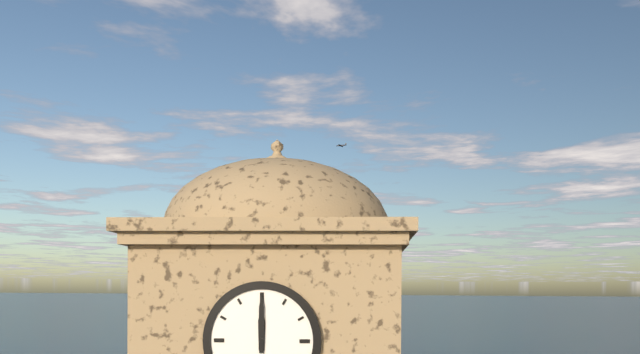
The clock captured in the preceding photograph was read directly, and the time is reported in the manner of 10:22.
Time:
12:00
